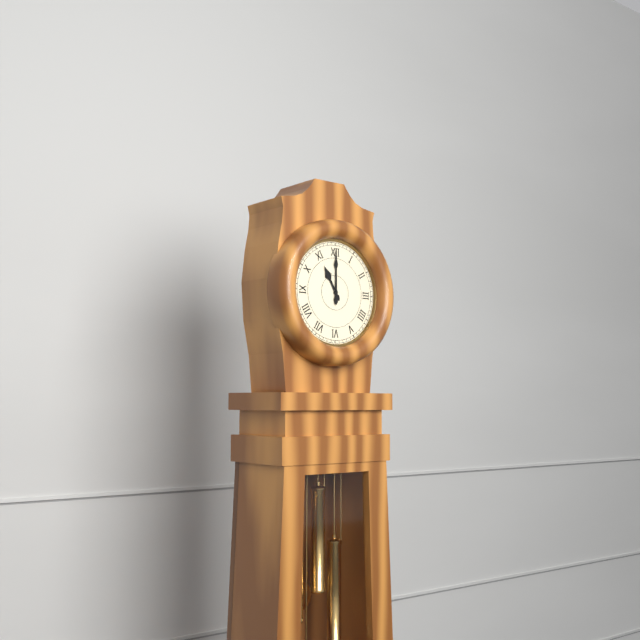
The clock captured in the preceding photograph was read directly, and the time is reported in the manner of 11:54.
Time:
11:00
